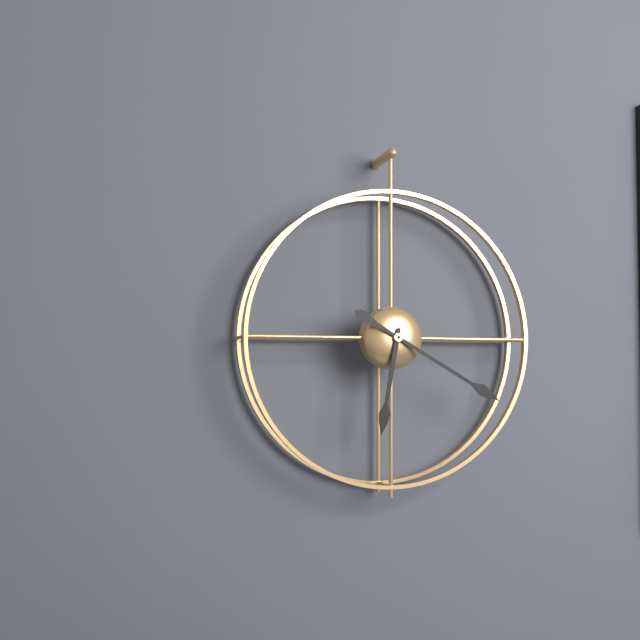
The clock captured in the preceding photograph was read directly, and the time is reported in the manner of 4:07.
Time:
6:20
